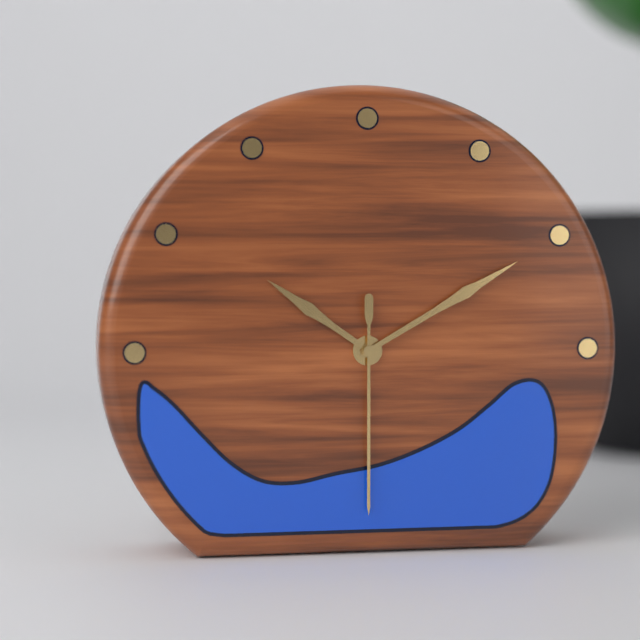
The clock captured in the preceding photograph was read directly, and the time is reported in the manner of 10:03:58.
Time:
10:10:30
